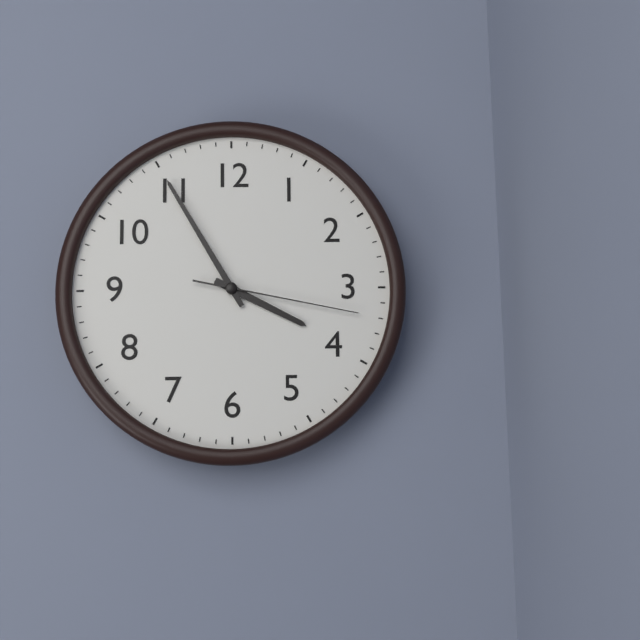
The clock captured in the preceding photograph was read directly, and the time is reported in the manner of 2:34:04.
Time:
3:55:17
